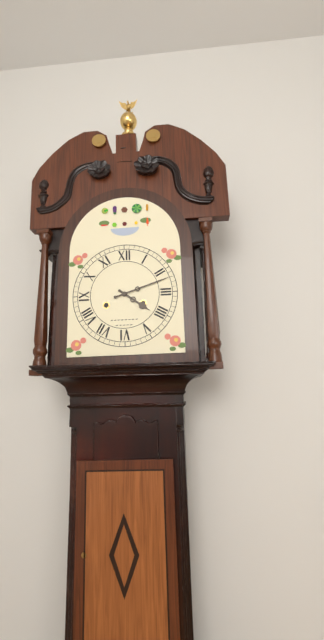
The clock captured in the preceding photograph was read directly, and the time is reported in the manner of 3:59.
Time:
4:12
